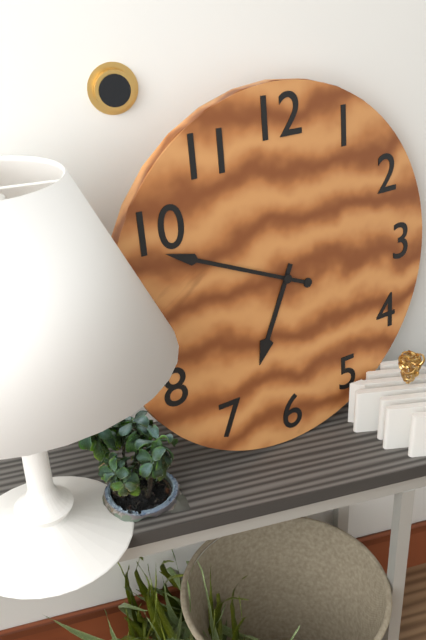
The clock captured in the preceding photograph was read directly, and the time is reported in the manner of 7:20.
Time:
6:49
